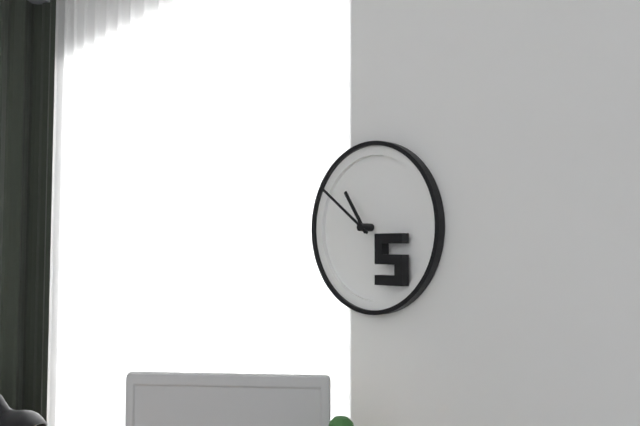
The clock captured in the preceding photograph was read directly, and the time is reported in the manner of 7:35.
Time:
10:51
